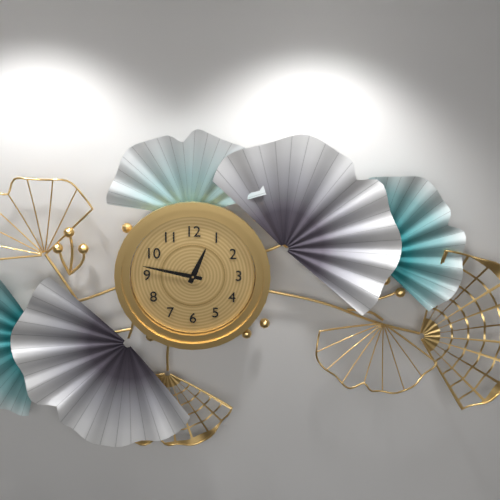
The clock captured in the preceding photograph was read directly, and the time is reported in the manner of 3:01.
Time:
12:47
